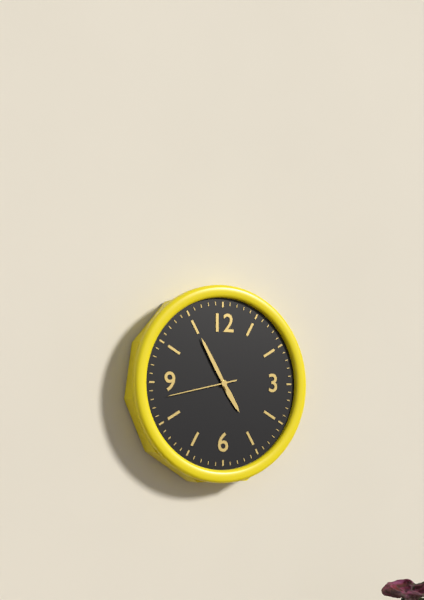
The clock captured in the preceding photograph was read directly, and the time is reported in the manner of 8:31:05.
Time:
4:55:43
